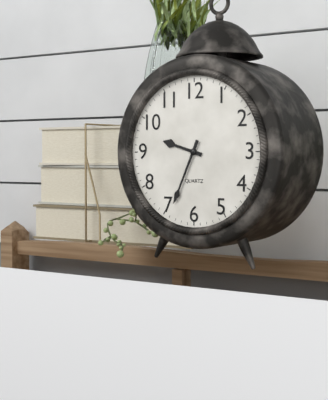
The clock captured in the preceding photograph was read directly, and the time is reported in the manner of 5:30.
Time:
9:34
